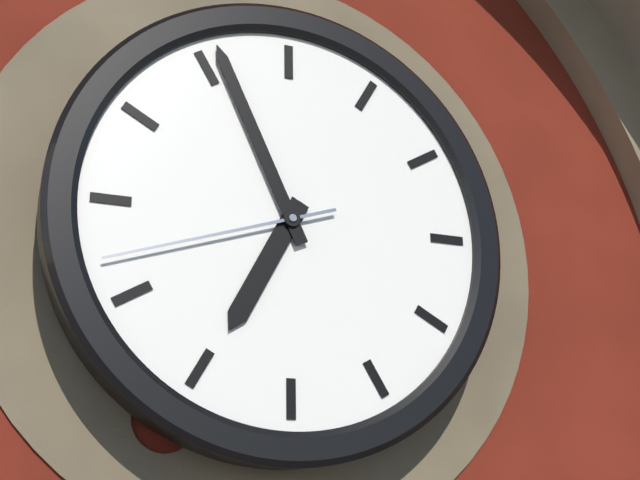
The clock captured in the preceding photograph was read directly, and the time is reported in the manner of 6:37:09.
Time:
6:56:42
